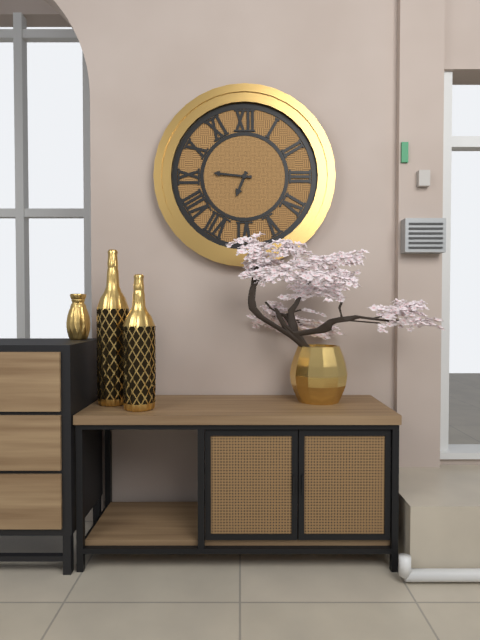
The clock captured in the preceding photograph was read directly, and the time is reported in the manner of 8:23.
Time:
6:46
